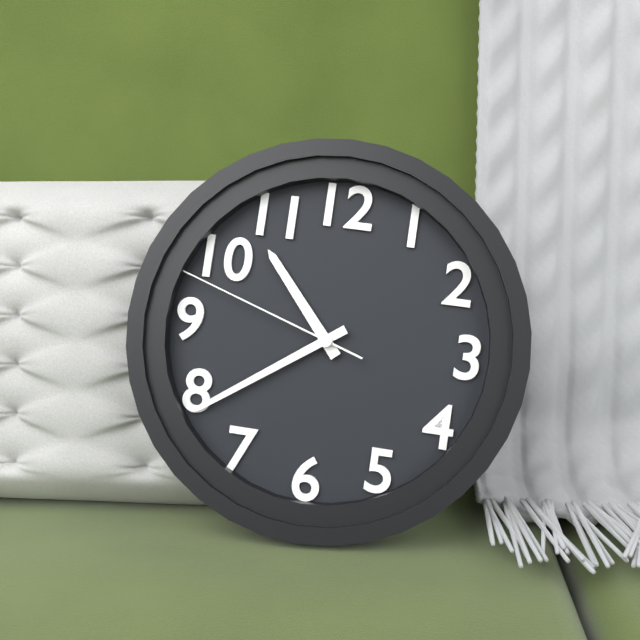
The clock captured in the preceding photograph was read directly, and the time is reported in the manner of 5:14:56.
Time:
10:39:48
